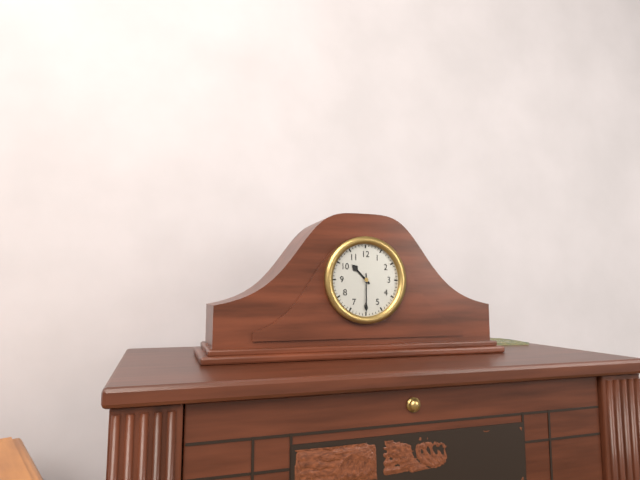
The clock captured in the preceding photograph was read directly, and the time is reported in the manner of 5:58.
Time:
10:30
